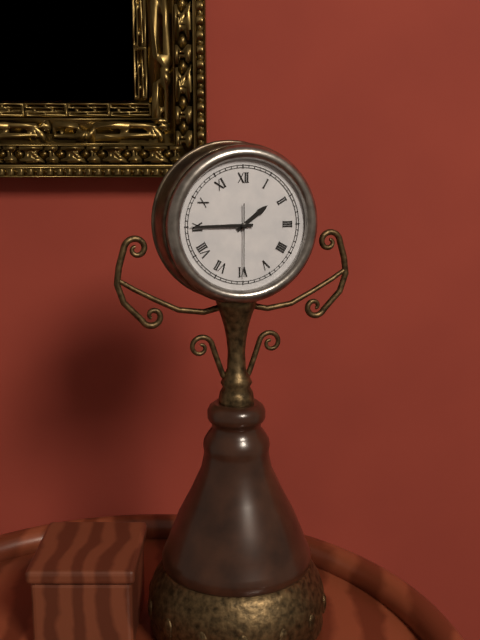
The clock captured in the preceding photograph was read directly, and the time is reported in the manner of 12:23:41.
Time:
1:45:30
